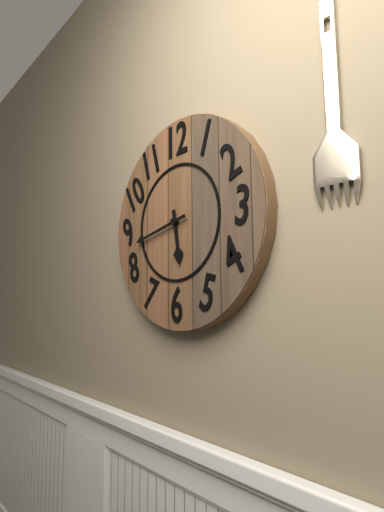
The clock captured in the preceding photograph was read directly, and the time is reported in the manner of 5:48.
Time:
5:43
